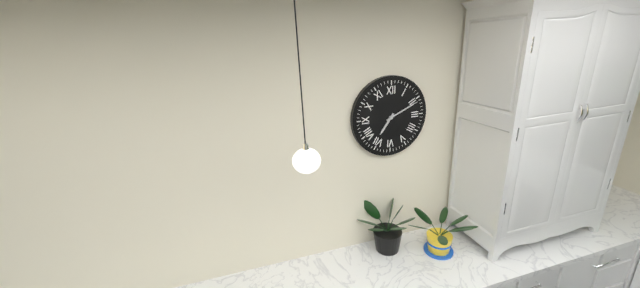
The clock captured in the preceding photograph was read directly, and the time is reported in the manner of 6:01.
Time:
7:11
